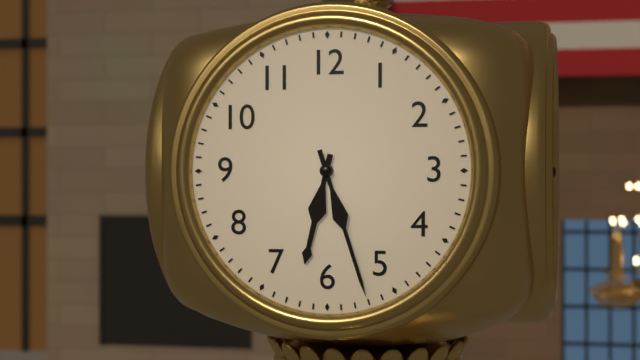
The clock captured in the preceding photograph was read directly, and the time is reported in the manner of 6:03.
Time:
6:27
